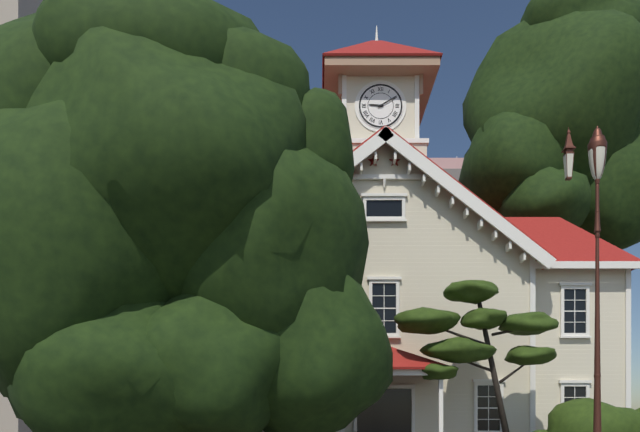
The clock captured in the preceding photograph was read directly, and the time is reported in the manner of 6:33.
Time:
9:10
